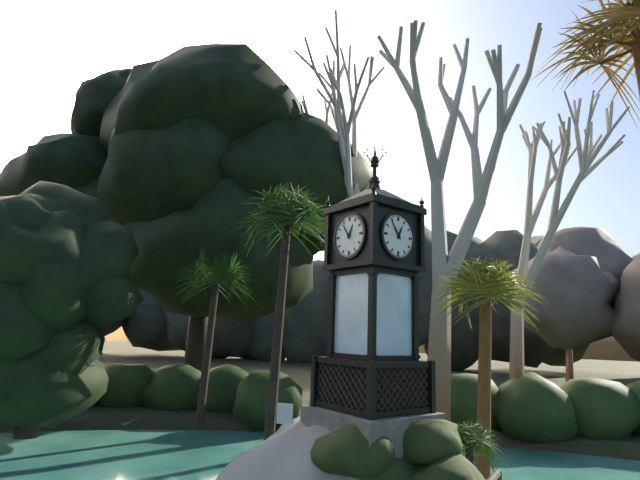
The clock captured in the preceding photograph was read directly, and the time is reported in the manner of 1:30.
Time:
12:54
